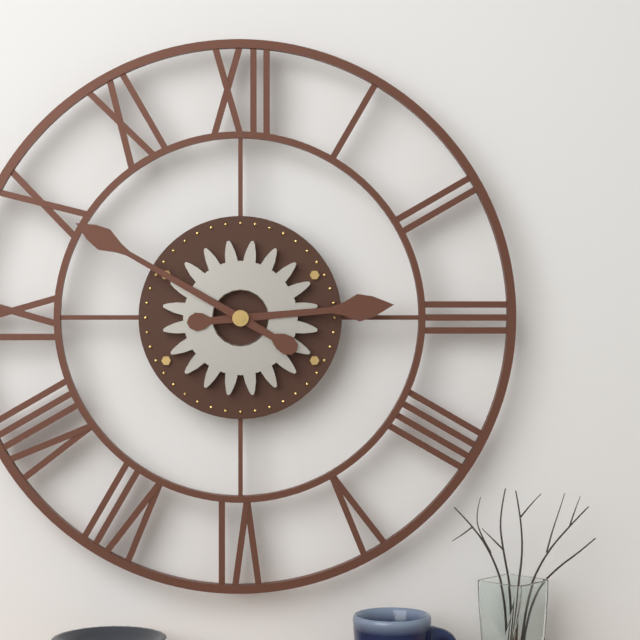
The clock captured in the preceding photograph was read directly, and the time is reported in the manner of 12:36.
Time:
2:50
